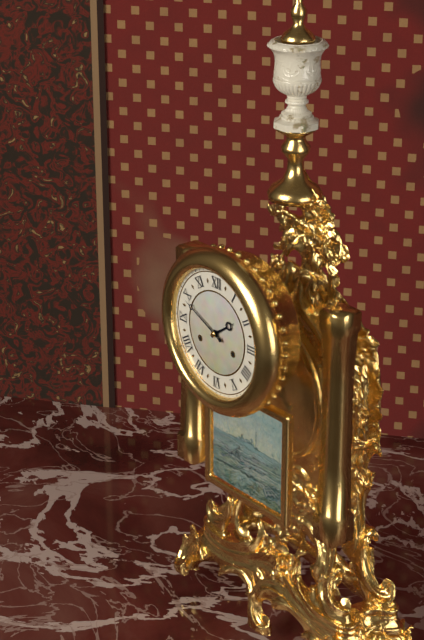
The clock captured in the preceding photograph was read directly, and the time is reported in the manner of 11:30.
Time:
1:49
